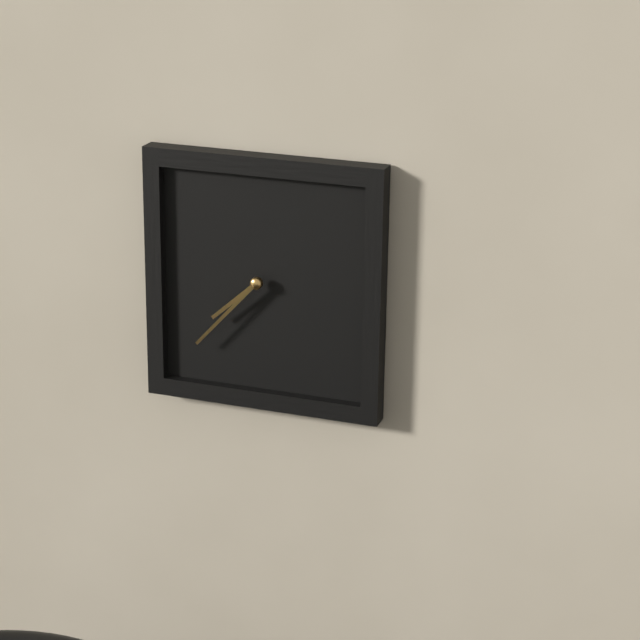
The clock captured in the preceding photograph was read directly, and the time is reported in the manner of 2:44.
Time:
7:37
